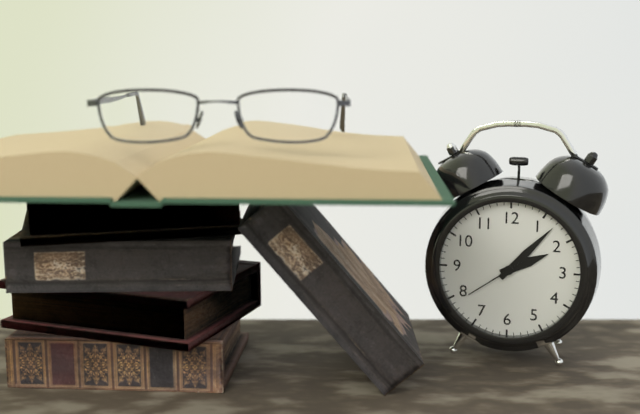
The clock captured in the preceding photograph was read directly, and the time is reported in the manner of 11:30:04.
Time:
2:07:39
